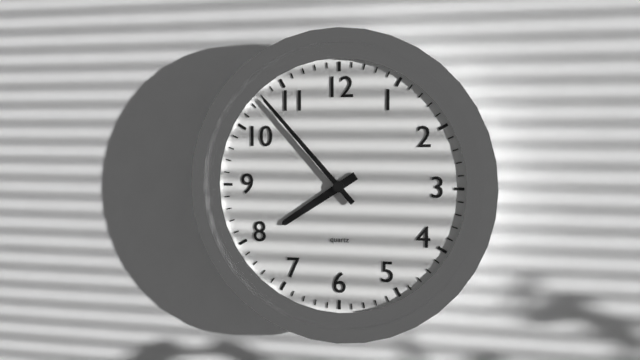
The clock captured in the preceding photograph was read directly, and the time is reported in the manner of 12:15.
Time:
7:53
